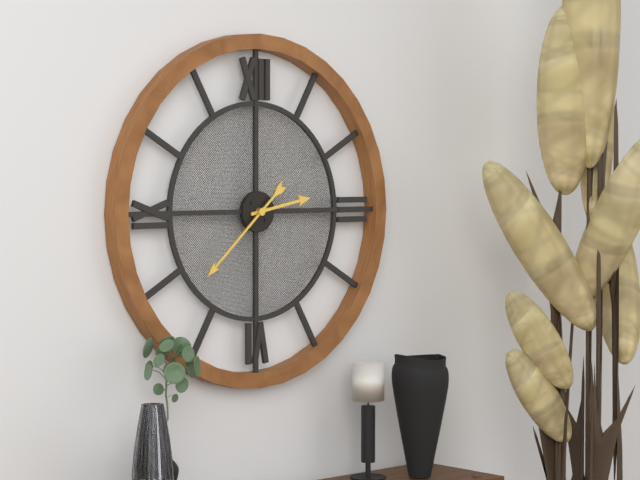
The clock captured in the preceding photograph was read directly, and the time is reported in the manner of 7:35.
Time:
2:38
